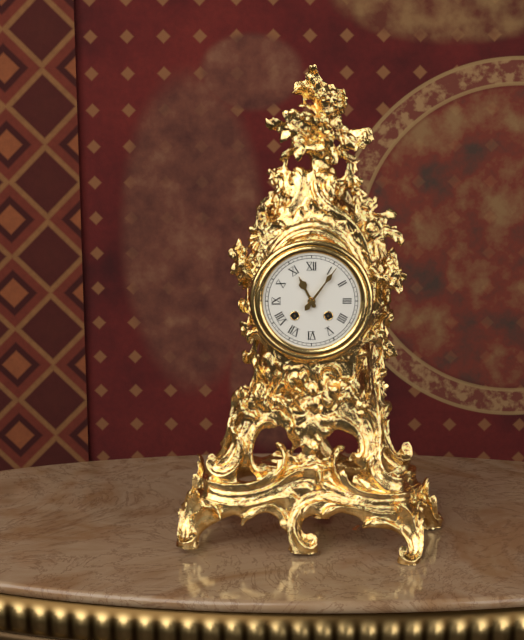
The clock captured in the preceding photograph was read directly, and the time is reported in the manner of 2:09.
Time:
11:06
